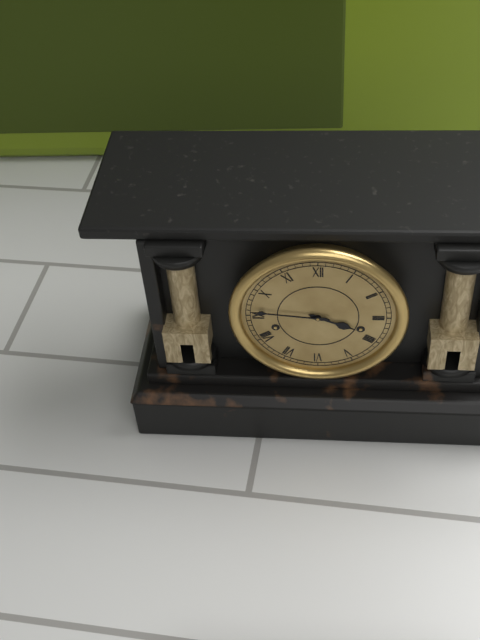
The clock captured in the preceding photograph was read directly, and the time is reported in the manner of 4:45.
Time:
3:46
